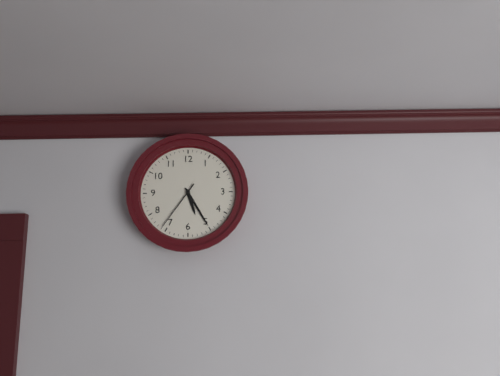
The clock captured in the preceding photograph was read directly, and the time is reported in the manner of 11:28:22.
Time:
5:25:36
